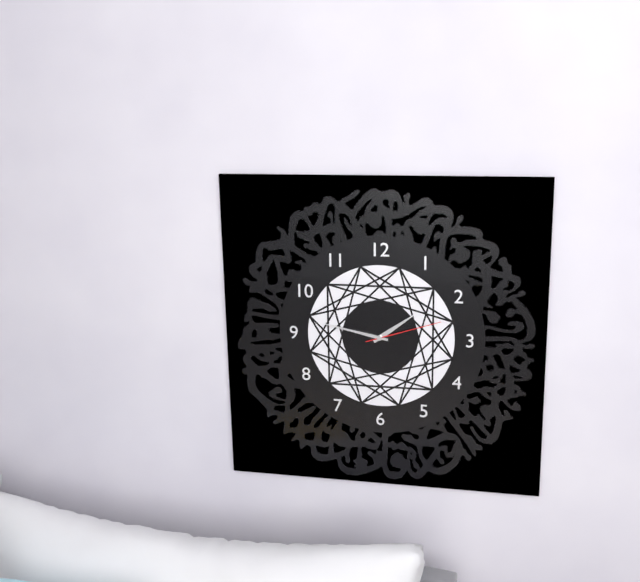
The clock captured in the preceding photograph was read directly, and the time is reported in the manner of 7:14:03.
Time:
1:47:12
